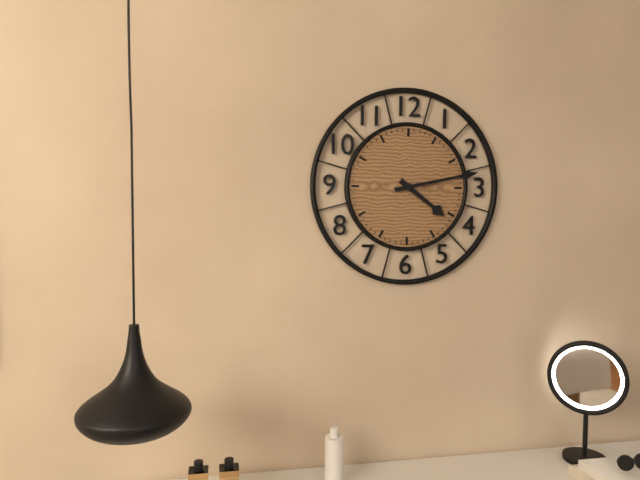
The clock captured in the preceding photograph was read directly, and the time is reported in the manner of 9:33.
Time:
4:13
